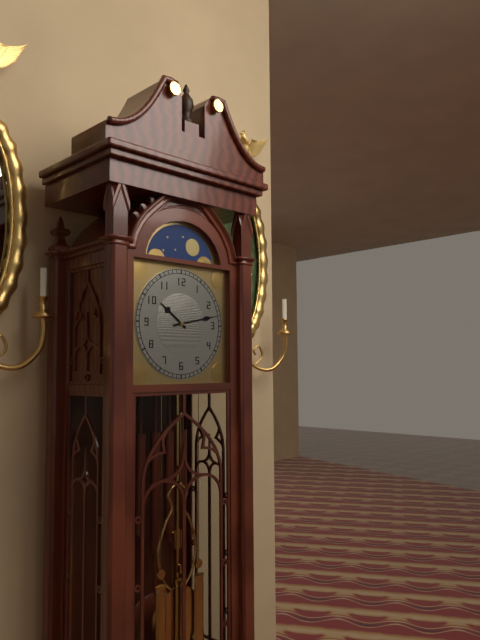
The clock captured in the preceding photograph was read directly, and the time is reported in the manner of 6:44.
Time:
10:13
